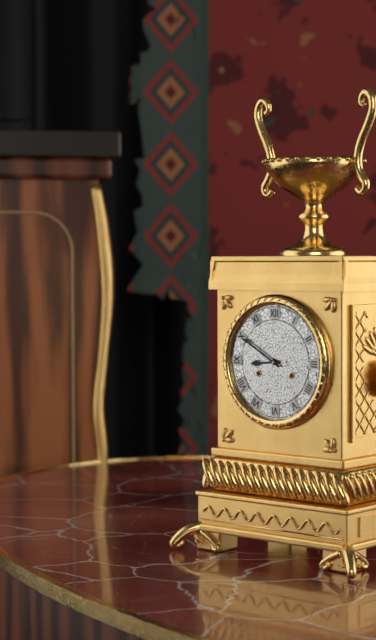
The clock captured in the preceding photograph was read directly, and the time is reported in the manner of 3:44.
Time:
8:50
